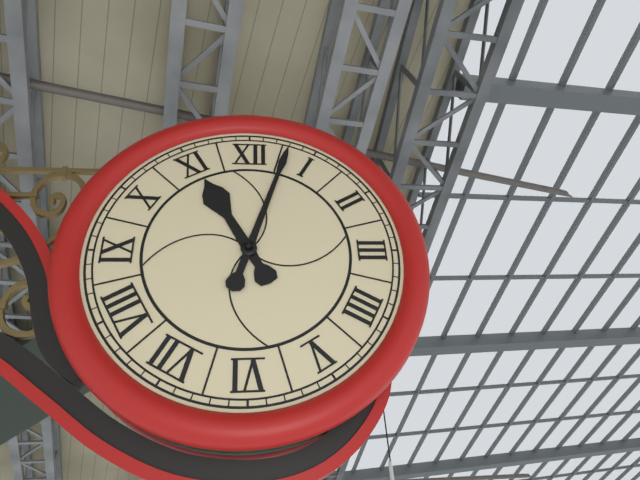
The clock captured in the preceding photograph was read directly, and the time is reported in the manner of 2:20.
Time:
11:03
